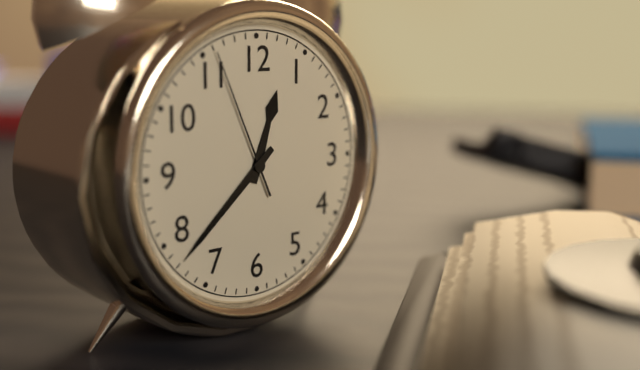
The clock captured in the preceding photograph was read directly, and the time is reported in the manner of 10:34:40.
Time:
12:38:56
